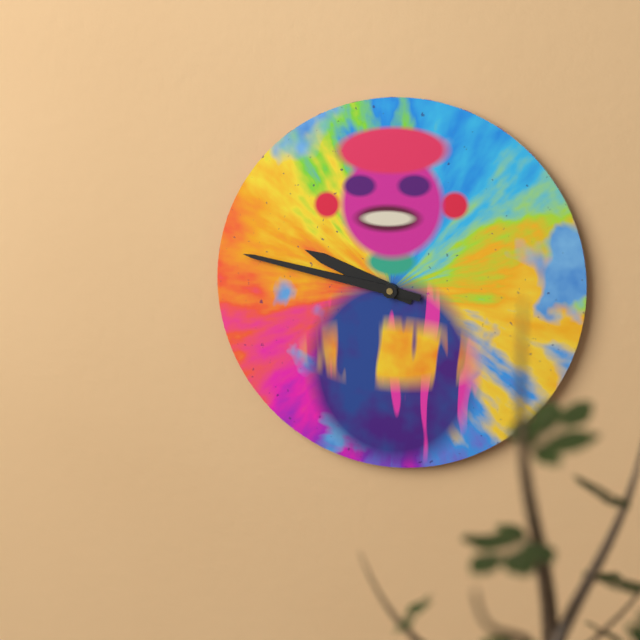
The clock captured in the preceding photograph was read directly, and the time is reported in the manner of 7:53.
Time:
9:47
